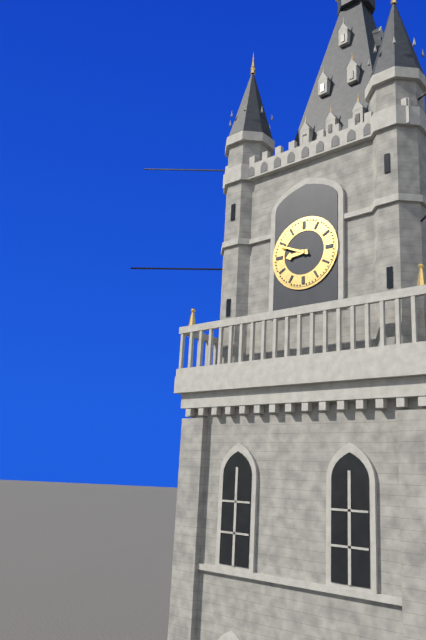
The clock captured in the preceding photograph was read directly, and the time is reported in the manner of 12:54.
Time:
8:49
